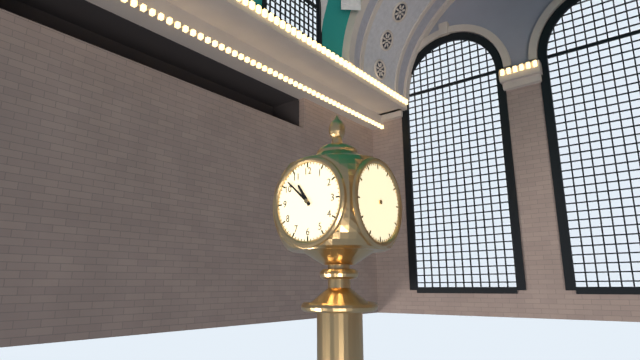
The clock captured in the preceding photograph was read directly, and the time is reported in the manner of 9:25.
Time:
10:52
